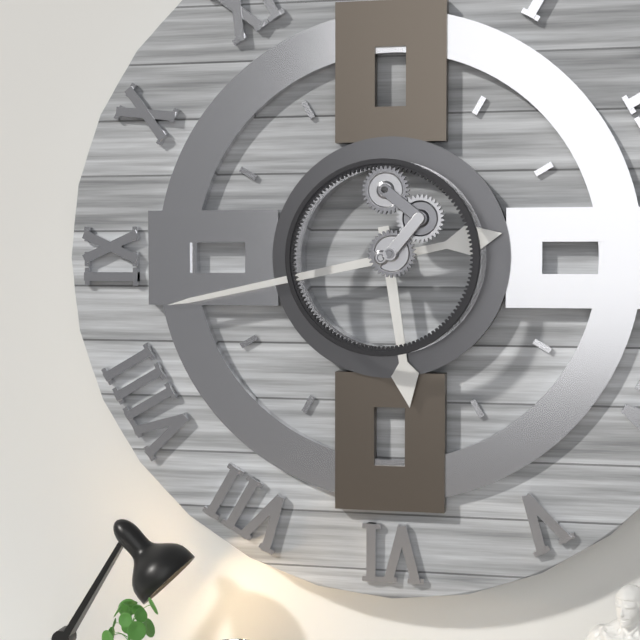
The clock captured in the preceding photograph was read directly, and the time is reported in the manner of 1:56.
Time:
5:43
